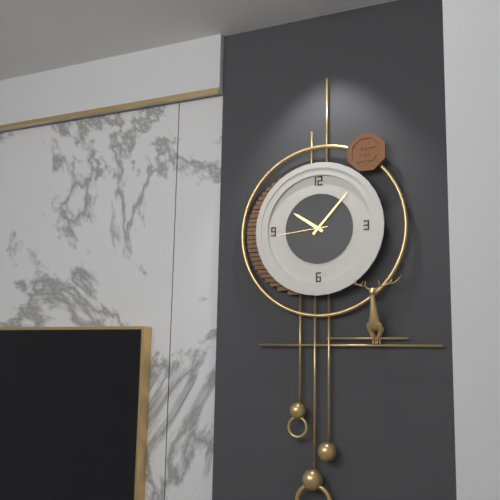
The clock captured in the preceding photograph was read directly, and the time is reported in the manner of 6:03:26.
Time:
10:07:44
